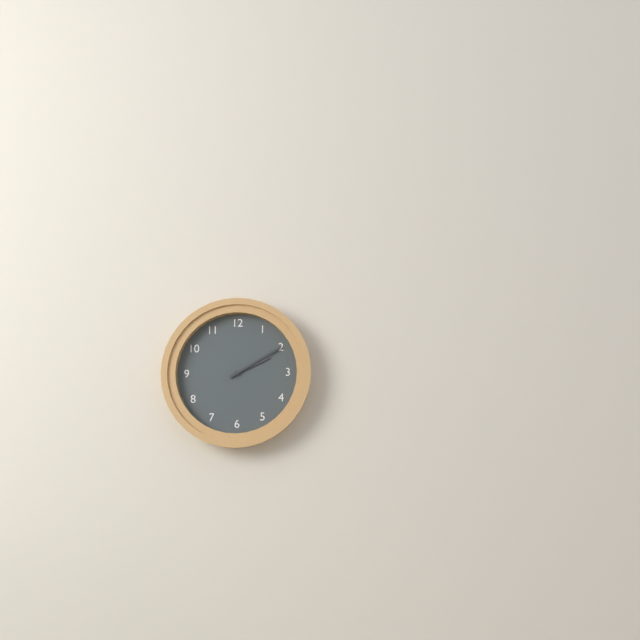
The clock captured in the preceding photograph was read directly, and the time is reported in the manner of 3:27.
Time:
2:10
